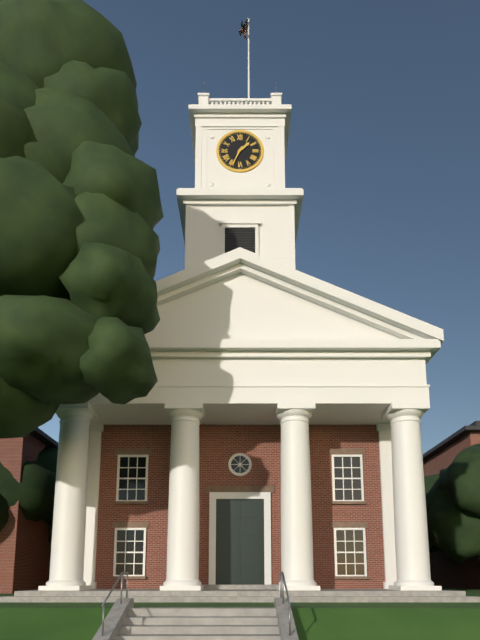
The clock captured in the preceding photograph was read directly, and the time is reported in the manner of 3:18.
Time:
1:34
